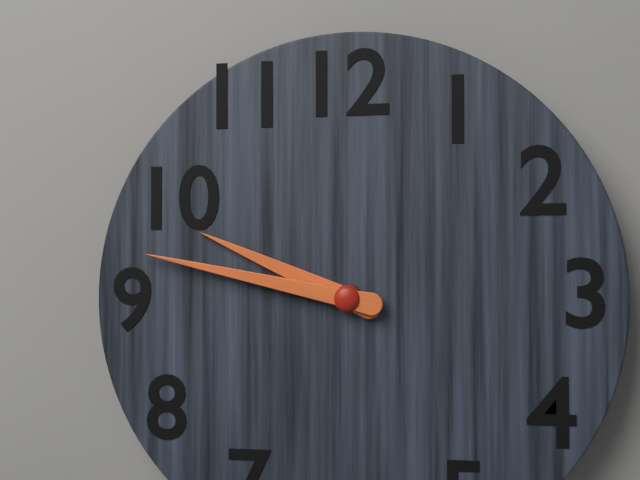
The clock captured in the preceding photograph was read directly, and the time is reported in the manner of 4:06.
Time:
9:47
